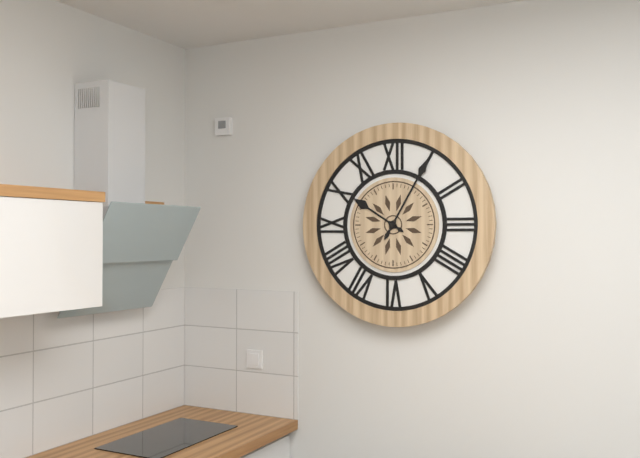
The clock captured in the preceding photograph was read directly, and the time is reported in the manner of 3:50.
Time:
10:05
